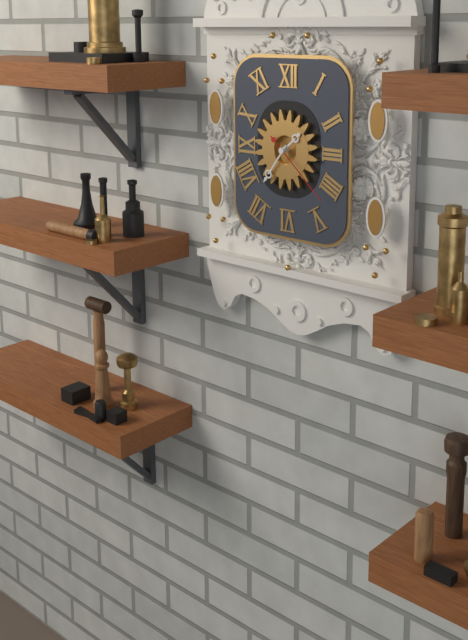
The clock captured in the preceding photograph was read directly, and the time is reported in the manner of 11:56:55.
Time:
1:36:22
